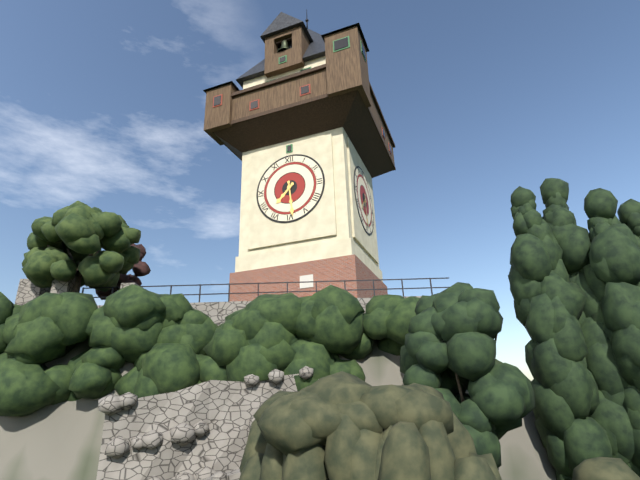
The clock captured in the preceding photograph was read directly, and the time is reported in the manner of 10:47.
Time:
7:29
